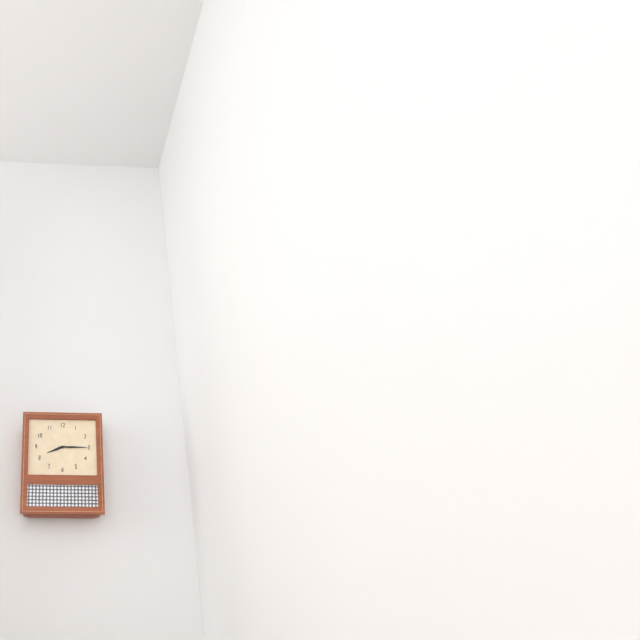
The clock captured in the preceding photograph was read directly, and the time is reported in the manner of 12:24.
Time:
8:15
